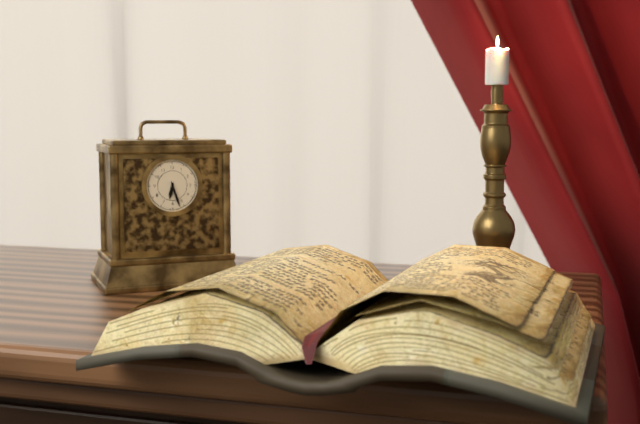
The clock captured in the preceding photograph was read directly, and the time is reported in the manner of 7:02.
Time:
6:27
